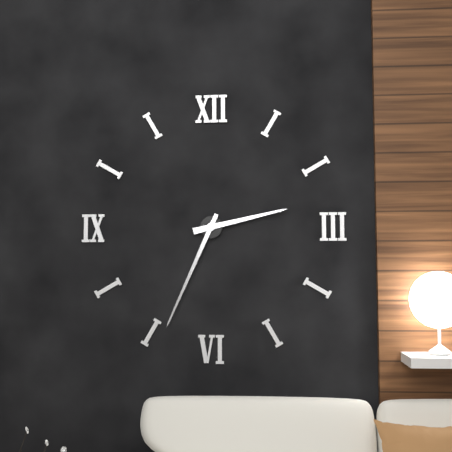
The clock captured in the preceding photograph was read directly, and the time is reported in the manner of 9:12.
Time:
2:34
